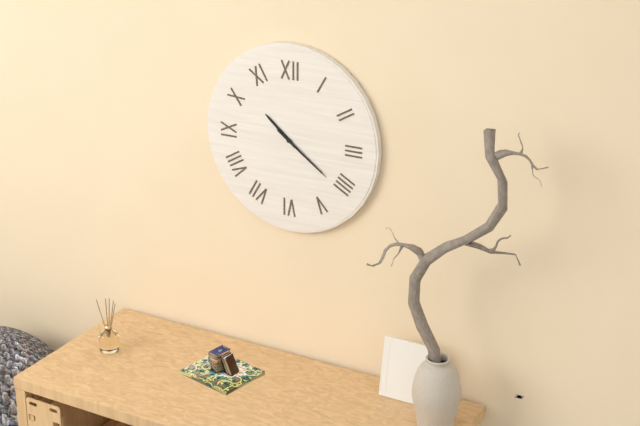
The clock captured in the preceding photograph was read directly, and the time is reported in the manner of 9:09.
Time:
10:21
